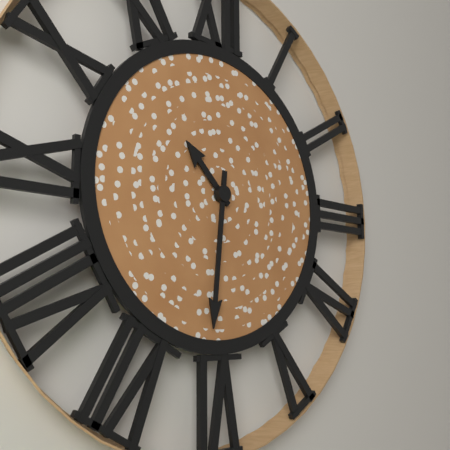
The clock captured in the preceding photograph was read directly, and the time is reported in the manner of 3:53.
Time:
10:31
